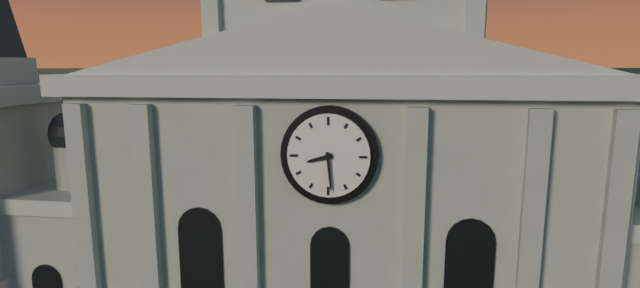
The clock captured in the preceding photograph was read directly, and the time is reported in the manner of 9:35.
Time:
8:29
